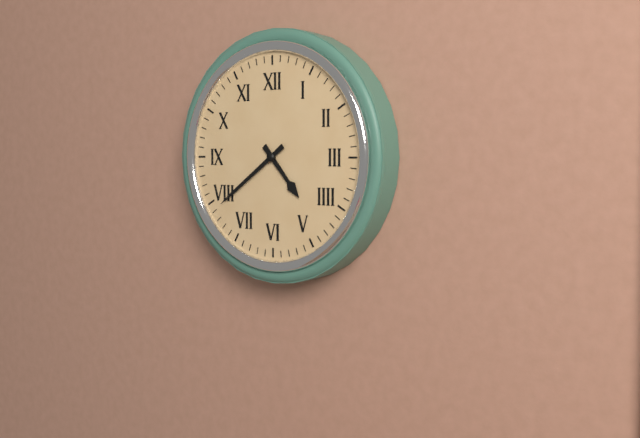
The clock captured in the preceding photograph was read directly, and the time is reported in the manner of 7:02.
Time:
4:39
